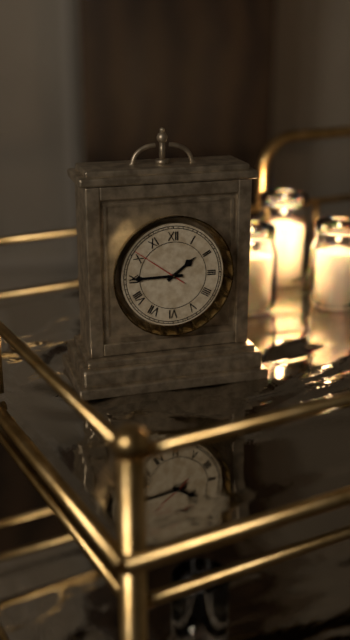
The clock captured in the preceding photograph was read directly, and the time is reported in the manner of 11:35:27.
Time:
1:45:51
